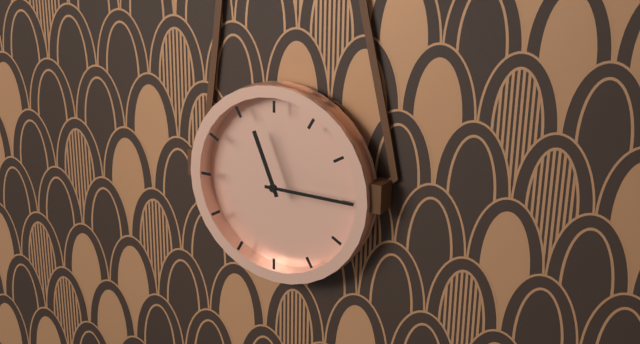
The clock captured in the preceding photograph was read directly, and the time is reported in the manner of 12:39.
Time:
11:15
